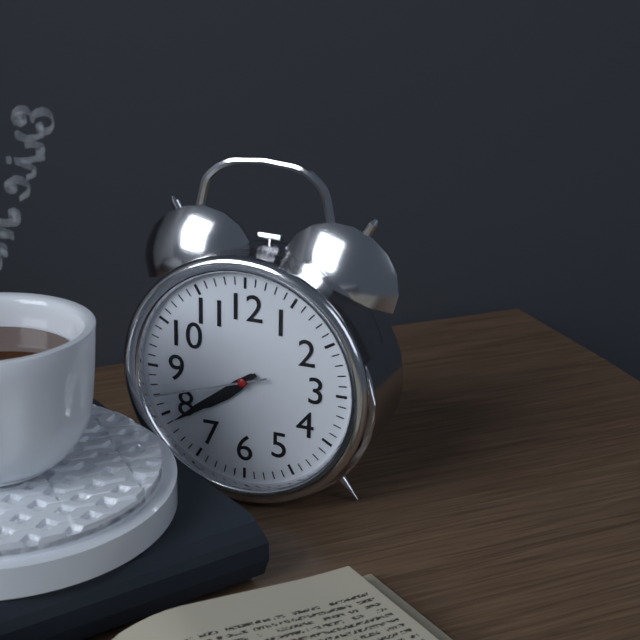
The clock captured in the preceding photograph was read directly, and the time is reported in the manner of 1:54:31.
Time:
7:39:42
